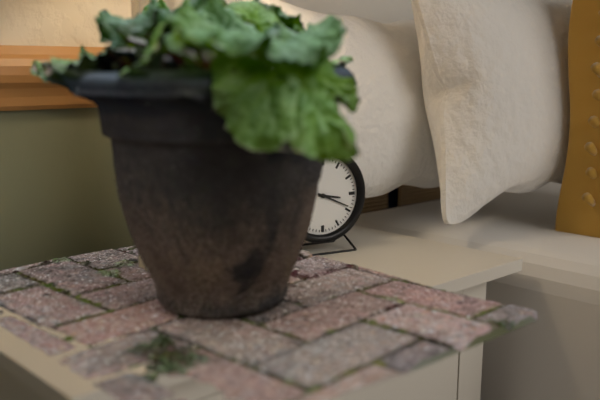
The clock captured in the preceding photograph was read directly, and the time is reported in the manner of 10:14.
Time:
3:19
